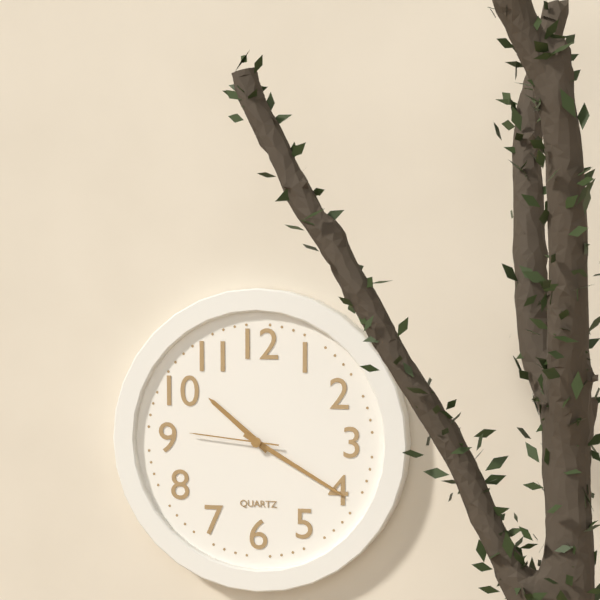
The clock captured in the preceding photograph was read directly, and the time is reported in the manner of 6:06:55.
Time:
10:20:46
